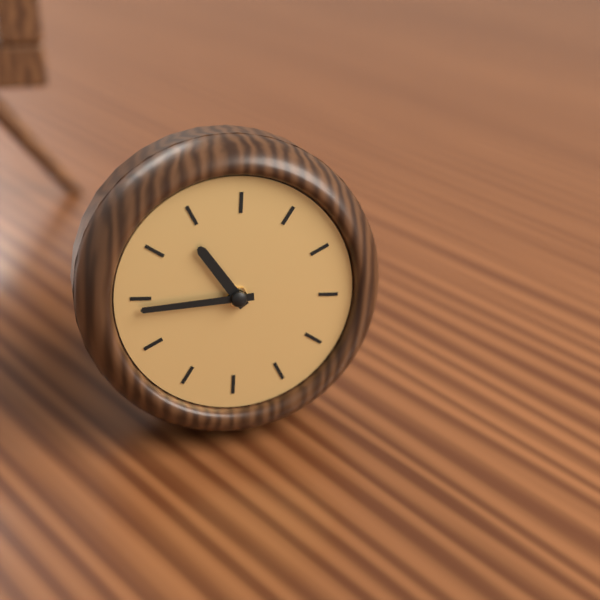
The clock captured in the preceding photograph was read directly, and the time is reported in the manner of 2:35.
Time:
10:44
